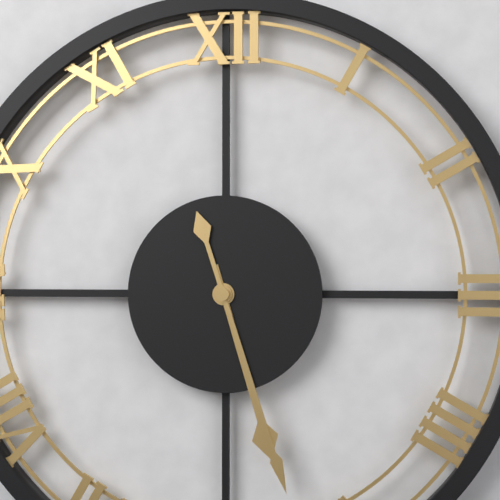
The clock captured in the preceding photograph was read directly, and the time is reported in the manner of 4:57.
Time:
5:27
